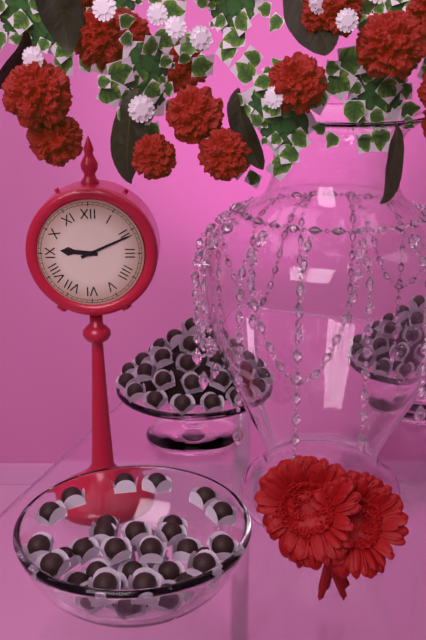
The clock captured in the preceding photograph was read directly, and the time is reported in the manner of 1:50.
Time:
9:11
